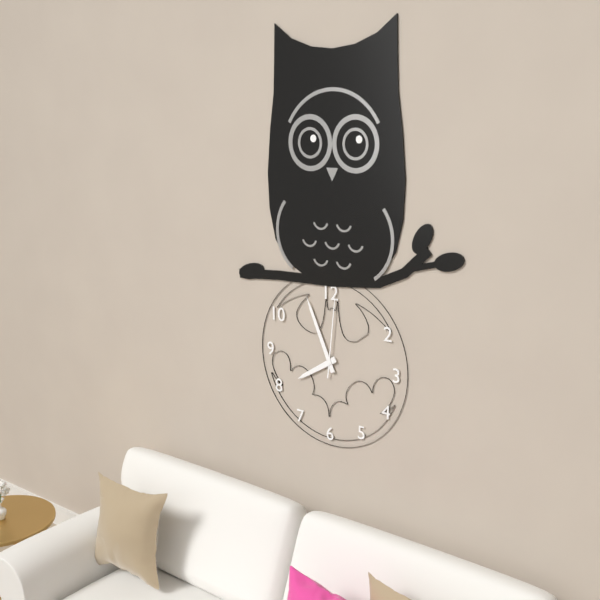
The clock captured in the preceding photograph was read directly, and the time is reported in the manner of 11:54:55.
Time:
7:56:01
